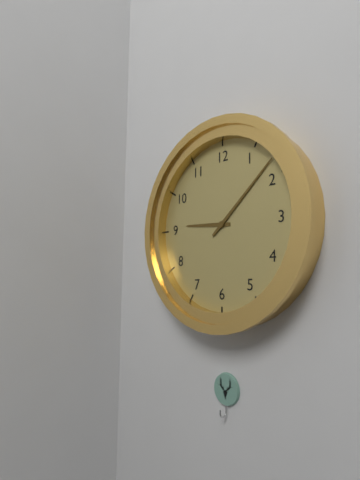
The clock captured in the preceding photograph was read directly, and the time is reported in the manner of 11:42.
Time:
9:08
